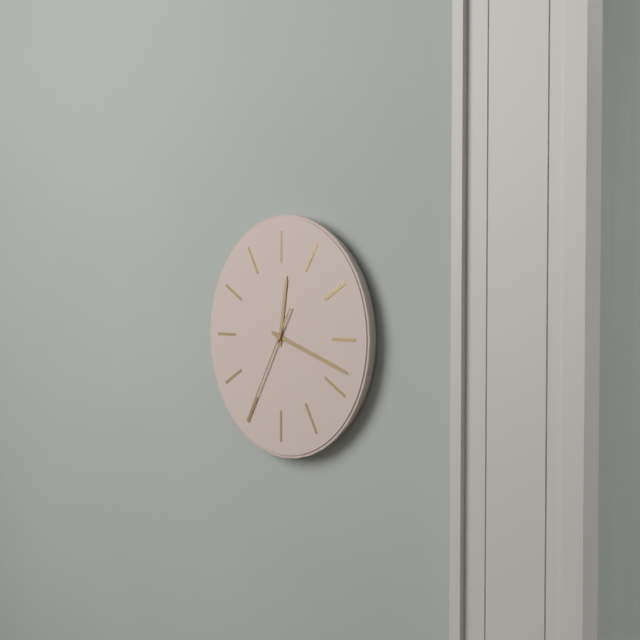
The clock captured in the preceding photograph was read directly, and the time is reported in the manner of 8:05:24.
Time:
12:18:35
